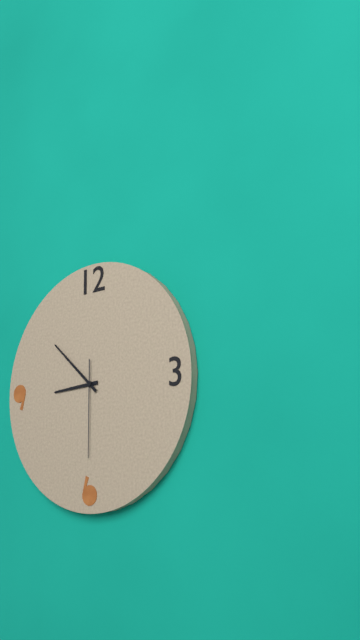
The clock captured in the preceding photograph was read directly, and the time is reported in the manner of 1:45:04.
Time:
8:52:30
